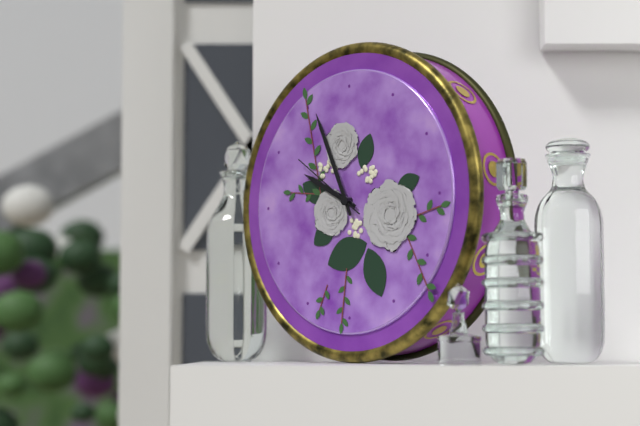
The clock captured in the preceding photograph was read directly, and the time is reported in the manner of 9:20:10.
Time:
9:56:51
